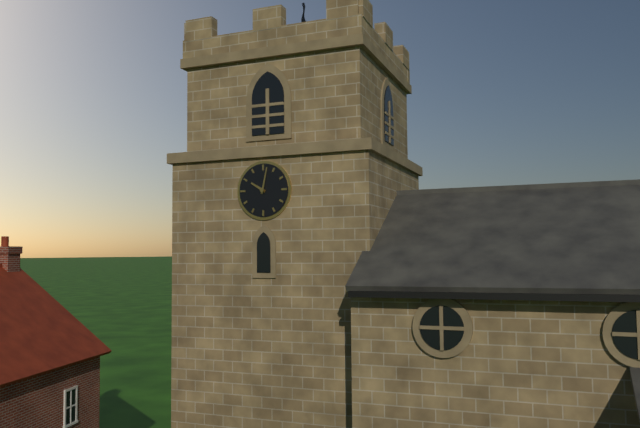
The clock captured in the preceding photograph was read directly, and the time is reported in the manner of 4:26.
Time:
10:02
